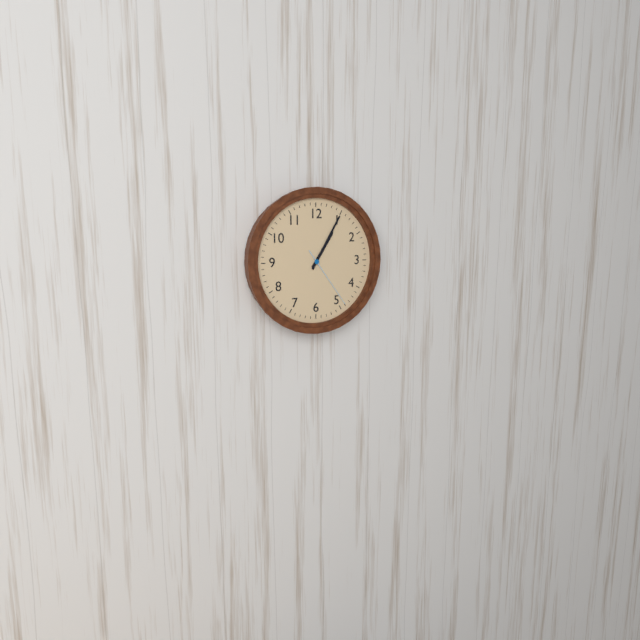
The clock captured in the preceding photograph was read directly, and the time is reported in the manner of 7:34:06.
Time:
1:05:24
